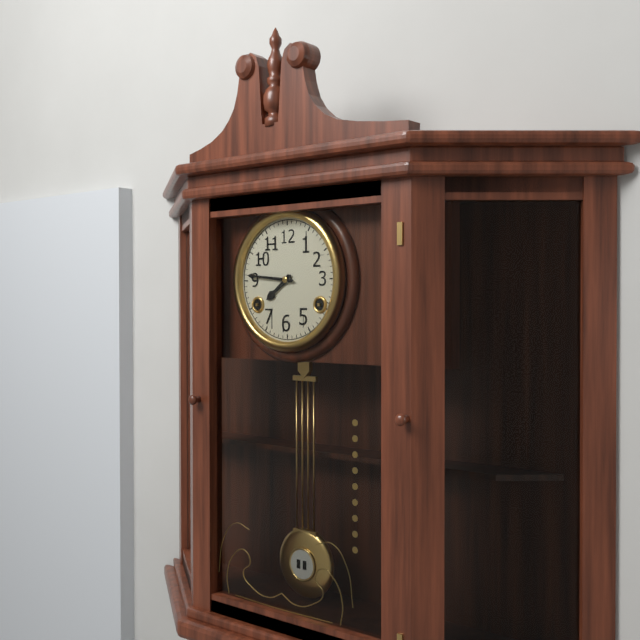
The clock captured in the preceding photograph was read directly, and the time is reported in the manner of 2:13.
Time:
7:46
